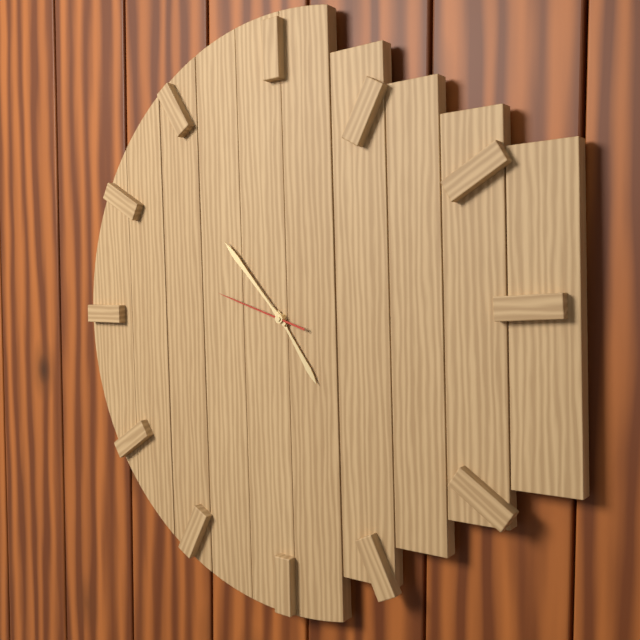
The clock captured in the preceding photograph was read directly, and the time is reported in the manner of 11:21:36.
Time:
4:53:48
